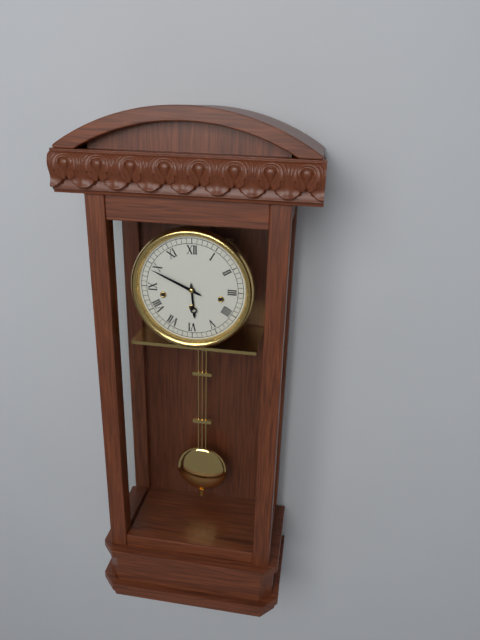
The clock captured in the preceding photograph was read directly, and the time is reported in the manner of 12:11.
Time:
5:49
